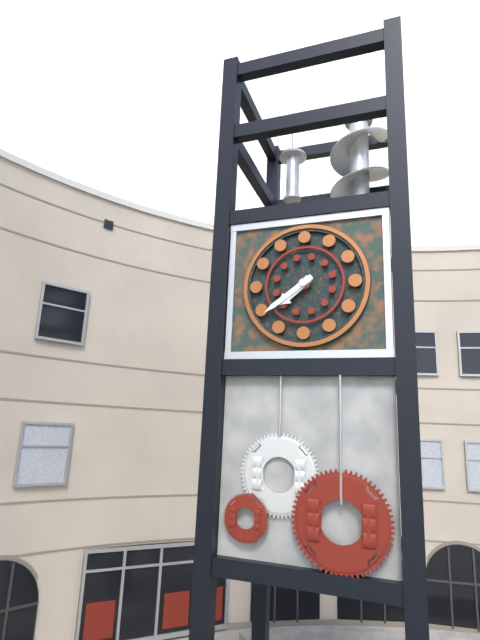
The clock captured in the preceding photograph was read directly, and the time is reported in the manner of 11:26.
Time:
7:39
